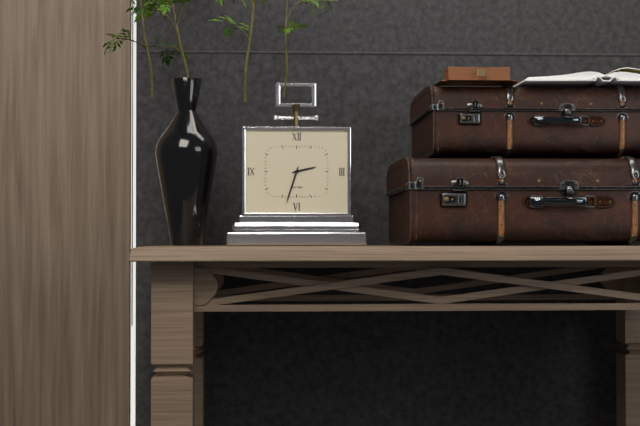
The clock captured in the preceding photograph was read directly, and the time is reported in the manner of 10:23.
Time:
2:33
